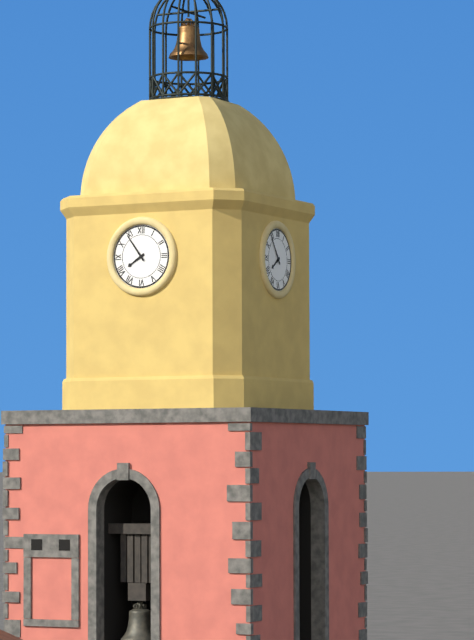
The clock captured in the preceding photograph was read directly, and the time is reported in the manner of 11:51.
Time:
7:54
